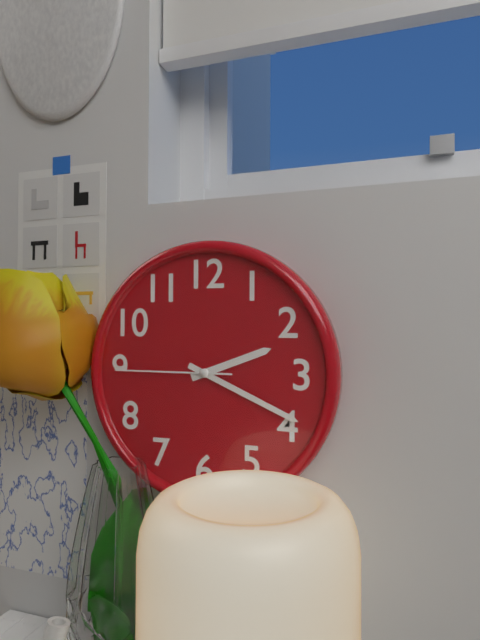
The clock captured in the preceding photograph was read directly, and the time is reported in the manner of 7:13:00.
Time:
2:19:45
